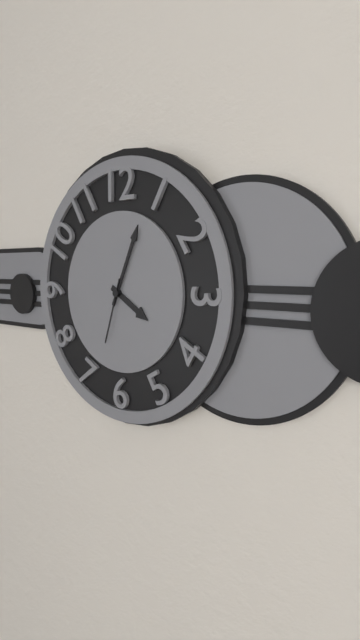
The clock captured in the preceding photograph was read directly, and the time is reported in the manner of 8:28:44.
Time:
4:04:33
